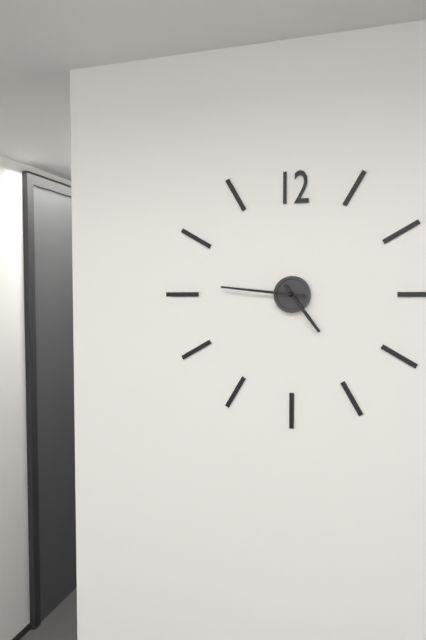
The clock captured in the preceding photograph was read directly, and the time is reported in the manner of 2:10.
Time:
4:46
